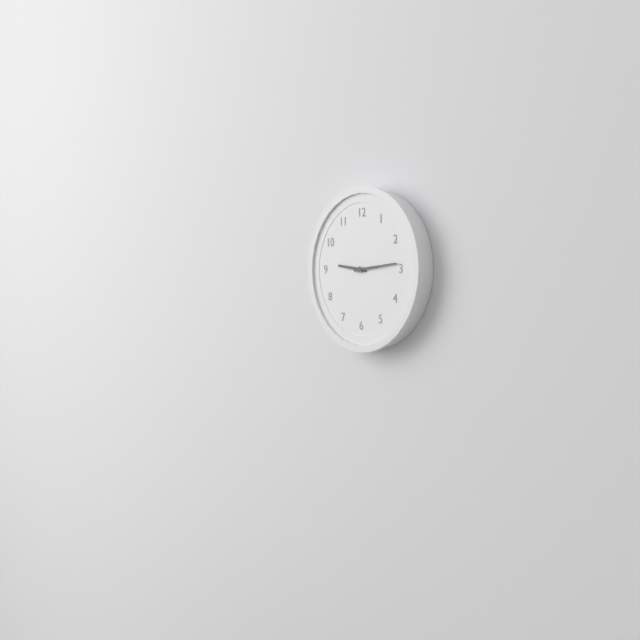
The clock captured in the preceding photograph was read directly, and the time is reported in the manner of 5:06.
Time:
9:14
